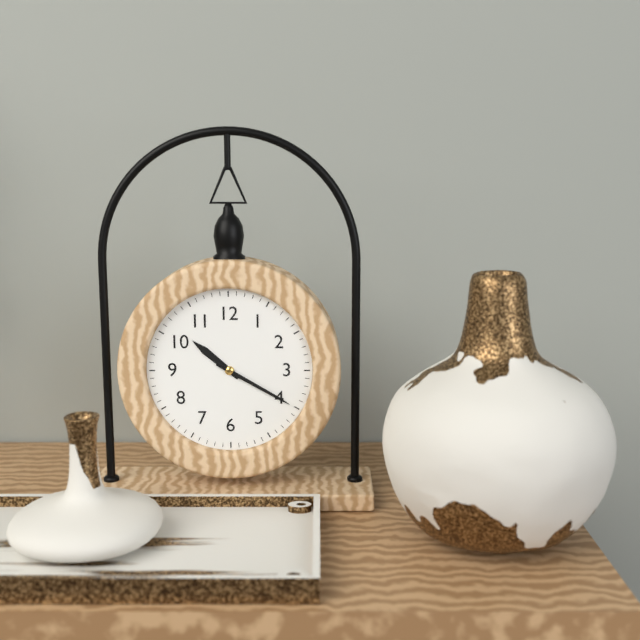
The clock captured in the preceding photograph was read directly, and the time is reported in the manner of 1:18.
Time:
10:20
